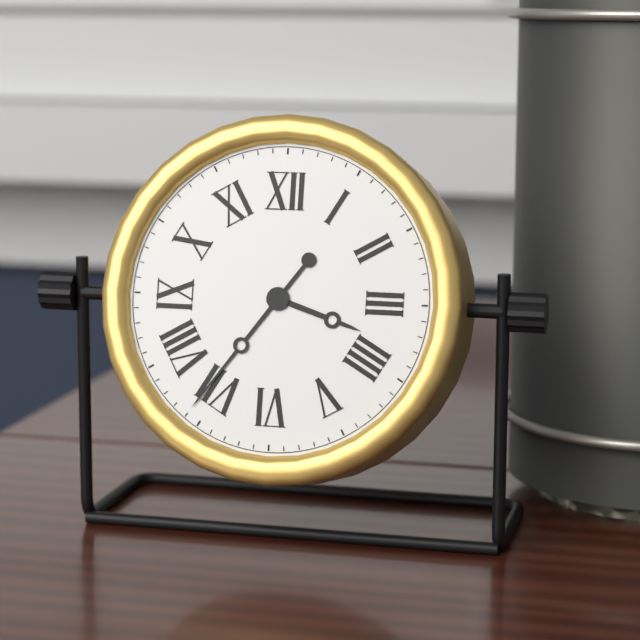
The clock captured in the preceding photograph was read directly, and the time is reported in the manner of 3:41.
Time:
3:36
